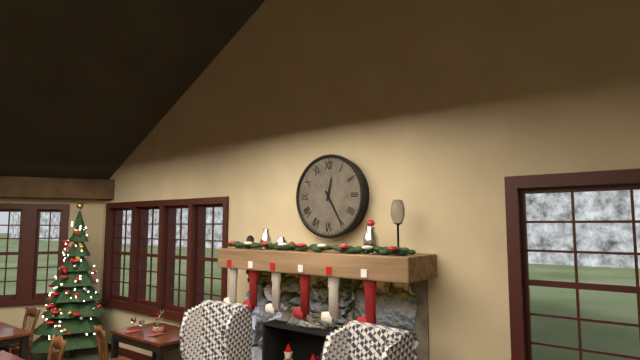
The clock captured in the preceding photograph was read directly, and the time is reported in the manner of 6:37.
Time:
12:25
